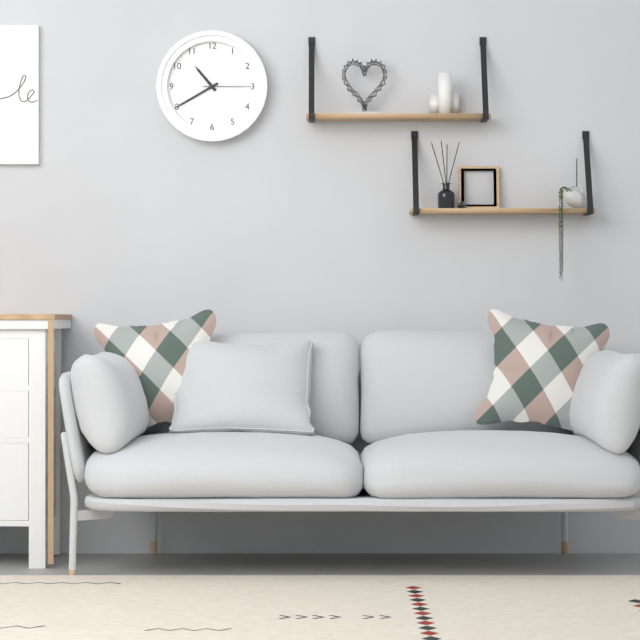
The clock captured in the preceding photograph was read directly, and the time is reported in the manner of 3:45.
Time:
10:40
